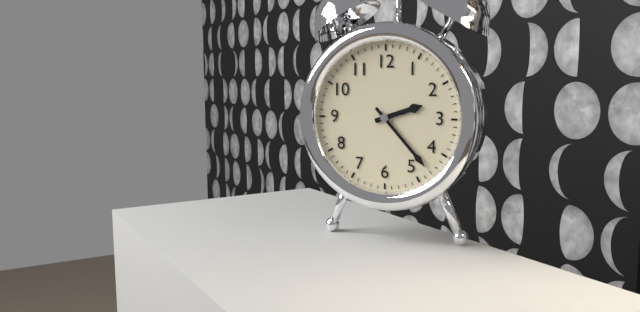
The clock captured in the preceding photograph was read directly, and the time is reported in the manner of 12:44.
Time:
2:23
